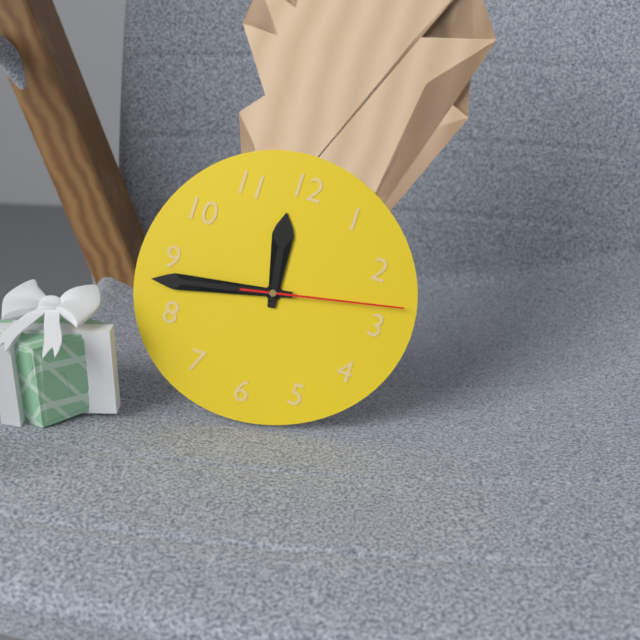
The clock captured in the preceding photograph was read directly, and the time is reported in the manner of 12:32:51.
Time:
11:43:13
